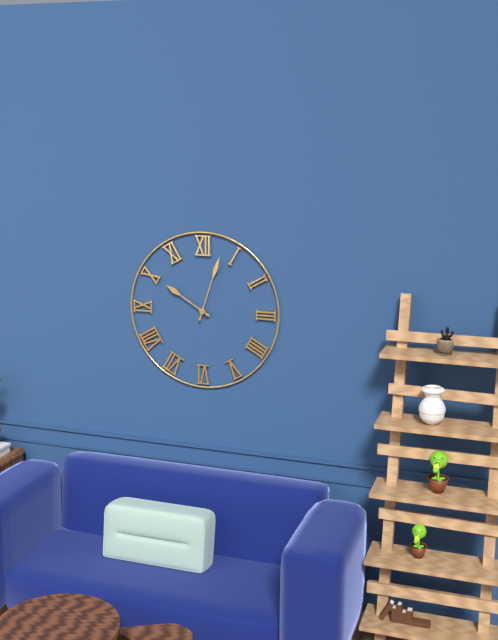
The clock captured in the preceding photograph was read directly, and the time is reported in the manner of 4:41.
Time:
10:03
